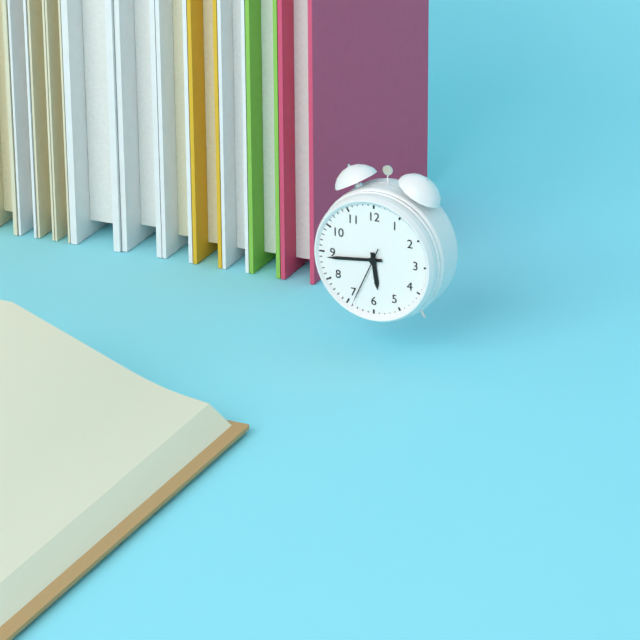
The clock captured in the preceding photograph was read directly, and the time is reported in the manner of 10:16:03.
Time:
5:44:34
